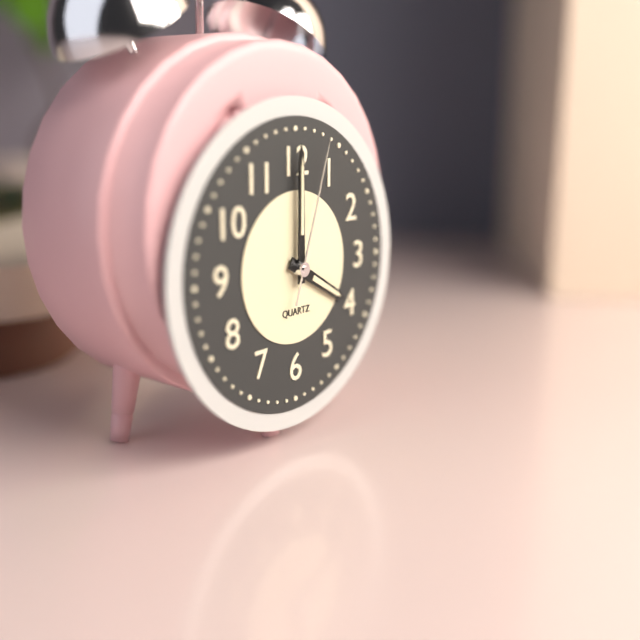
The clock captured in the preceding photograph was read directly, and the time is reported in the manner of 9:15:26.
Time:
4:00:03
